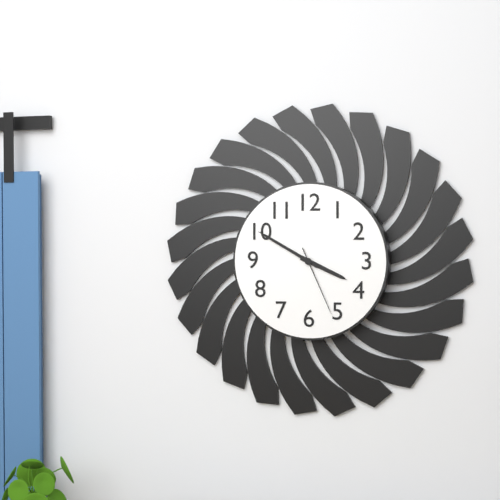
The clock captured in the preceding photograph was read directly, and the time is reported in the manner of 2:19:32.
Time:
3:50:26
